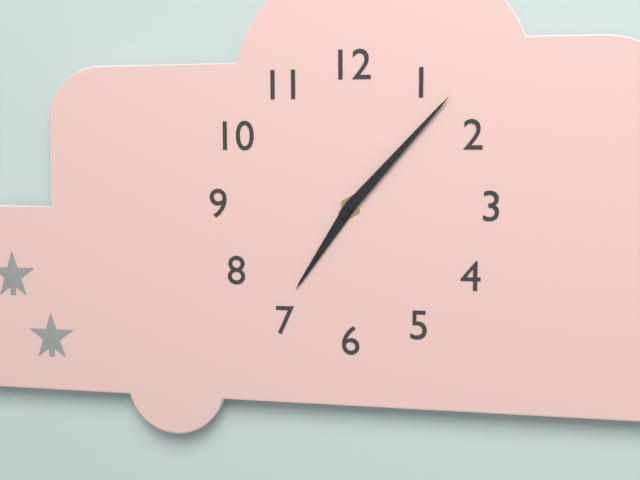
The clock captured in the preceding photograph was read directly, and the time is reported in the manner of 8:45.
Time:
7:07
